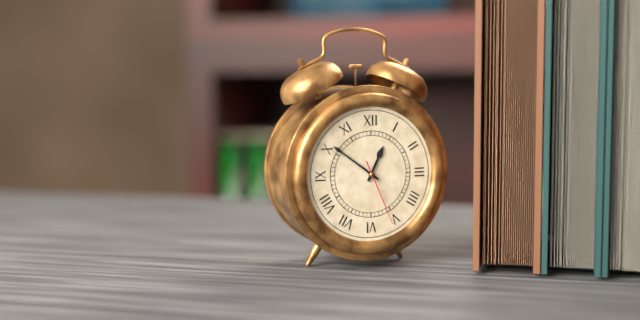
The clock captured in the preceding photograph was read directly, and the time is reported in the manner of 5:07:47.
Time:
12:51:26
